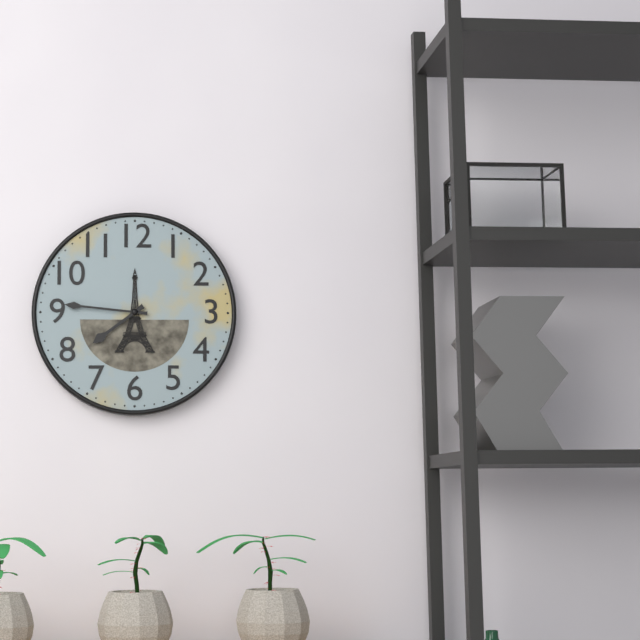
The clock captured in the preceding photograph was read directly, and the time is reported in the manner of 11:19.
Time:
7:46
